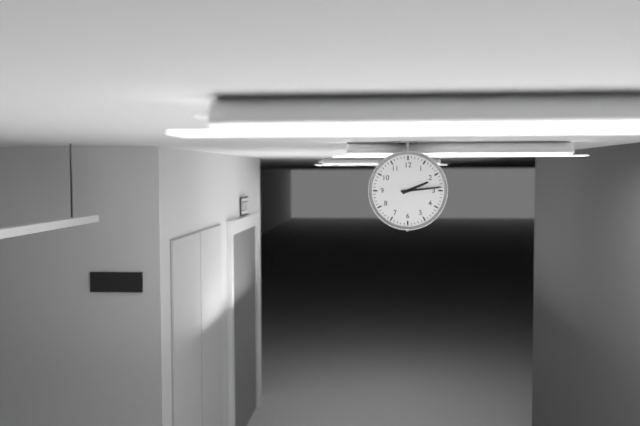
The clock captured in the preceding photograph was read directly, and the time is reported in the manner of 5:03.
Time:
2:14
